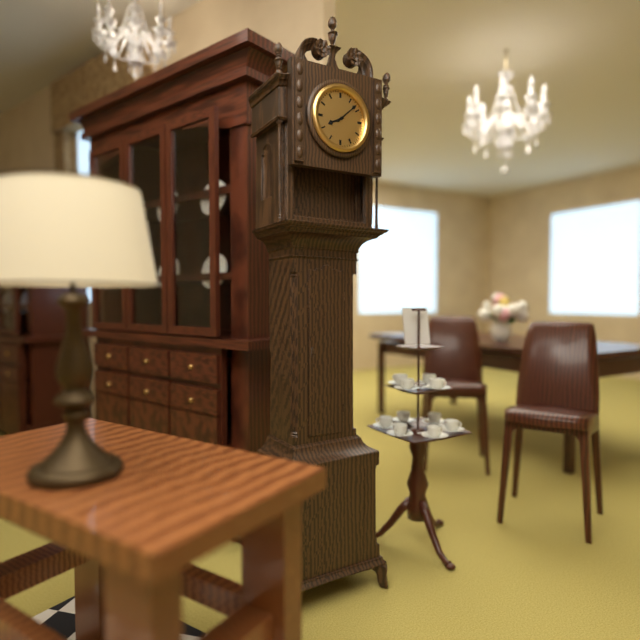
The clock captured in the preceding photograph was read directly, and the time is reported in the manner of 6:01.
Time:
8:08
